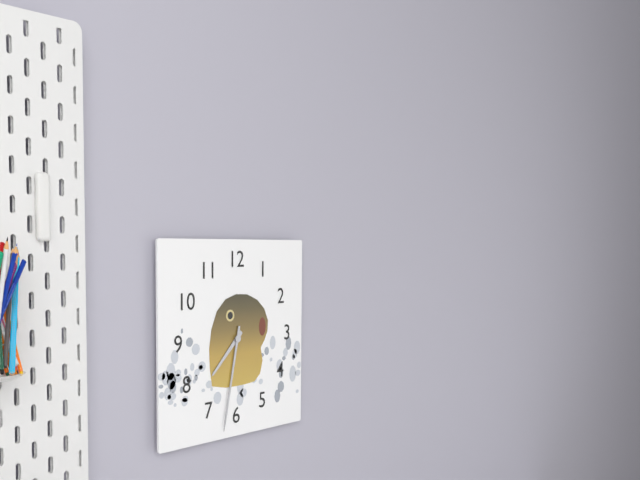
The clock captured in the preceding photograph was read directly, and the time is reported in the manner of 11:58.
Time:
7:32
